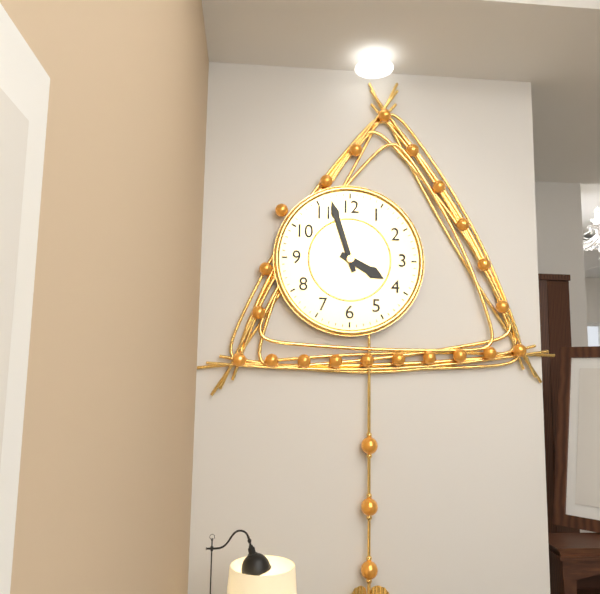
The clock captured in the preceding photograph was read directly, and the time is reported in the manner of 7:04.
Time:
3:57
